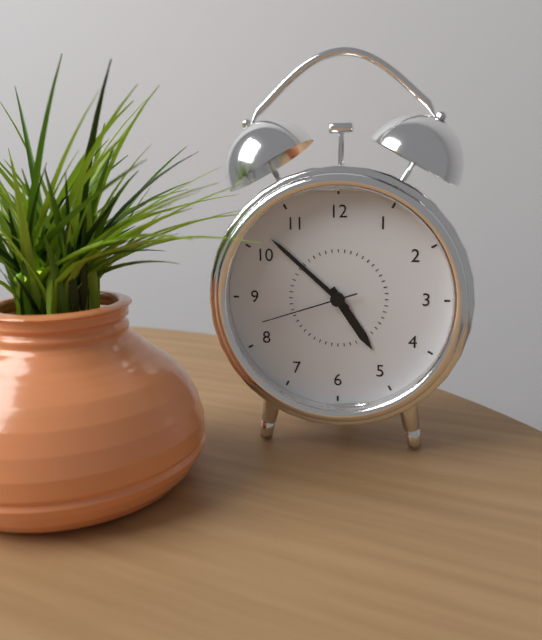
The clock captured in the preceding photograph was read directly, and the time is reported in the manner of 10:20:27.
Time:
4:52:42
